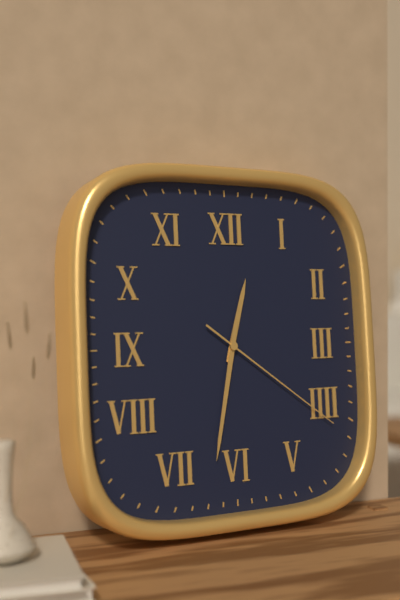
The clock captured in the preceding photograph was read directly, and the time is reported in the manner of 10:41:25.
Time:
12:32:21
